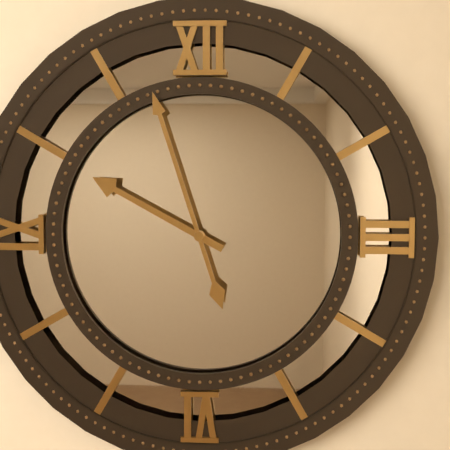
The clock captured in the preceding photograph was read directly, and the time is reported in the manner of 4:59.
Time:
9:57
